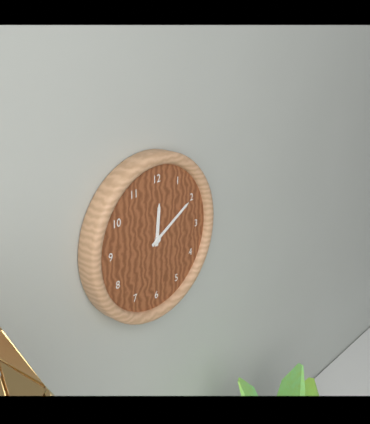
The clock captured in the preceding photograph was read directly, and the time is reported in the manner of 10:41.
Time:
12:10
